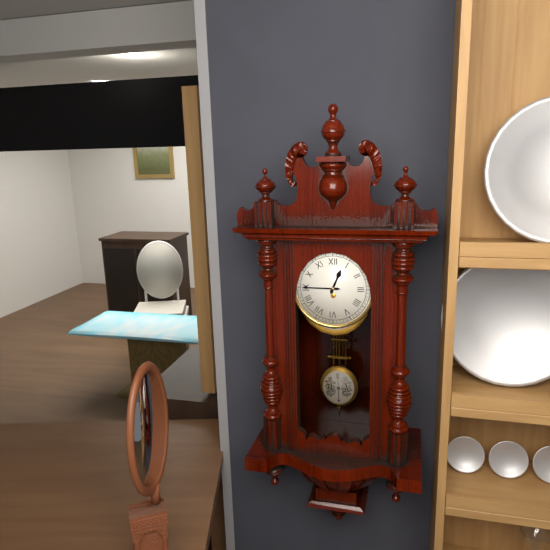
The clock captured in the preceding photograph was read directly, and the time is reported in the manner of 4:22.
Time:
12:45
